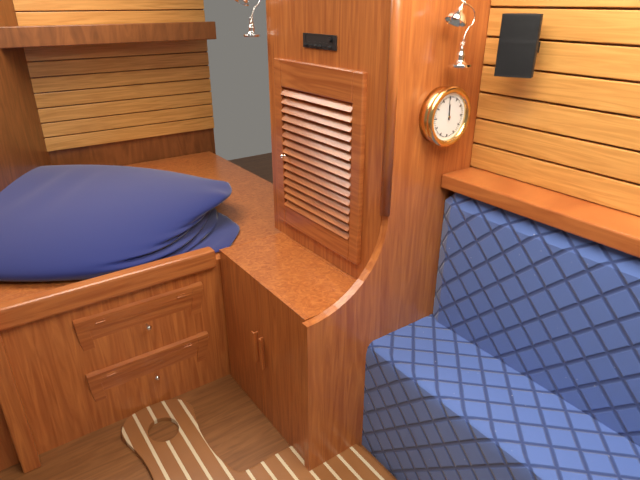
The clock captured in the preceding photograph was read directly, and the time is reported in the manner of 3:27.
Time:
11:59
